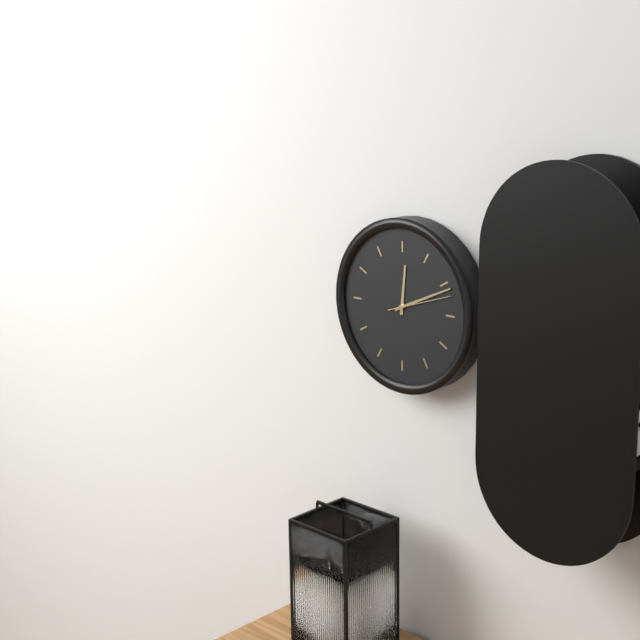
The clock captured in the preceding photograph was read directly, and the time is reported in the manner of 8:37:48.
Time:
12:11:12
